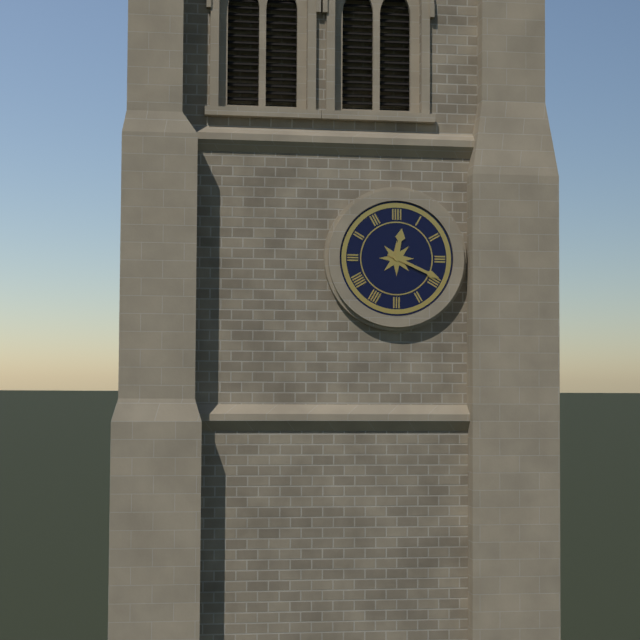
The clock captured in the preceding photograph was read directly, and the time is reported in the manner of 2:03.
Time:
12:19
